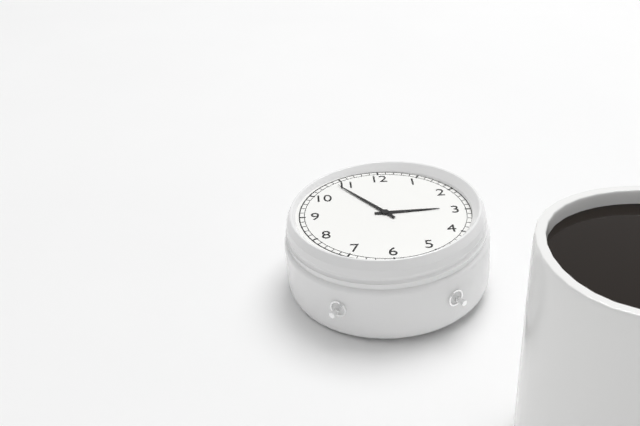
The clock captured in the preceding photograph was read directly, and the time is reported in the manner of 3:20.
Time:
2:54
